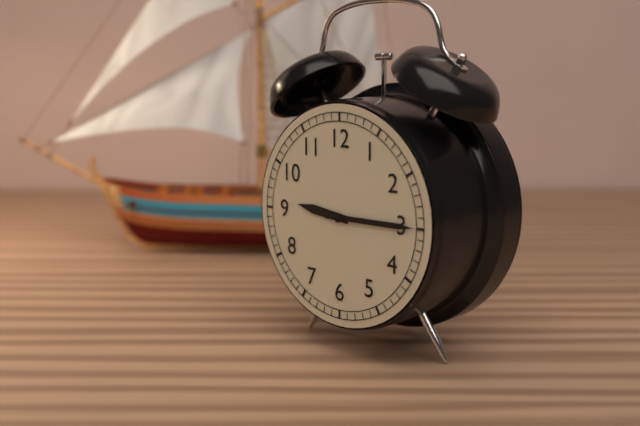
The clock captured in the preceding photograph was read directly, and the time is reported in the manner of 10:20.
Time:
9:15
